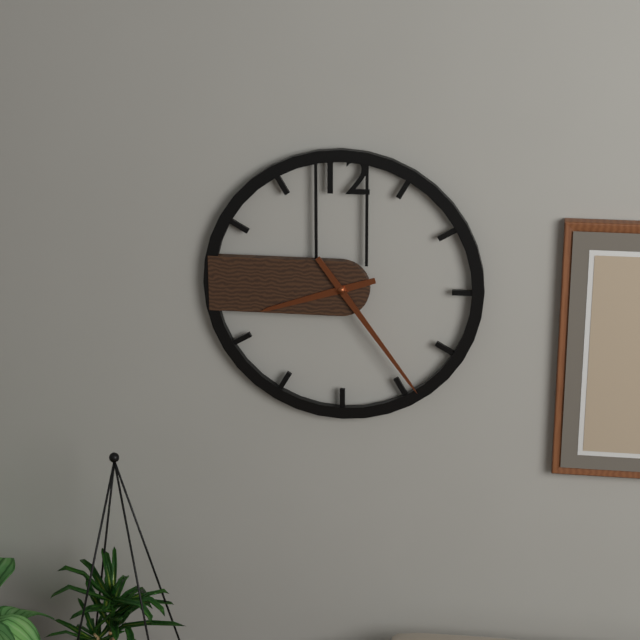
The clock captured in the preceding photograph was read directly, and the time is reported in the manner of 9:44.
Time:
8:24
